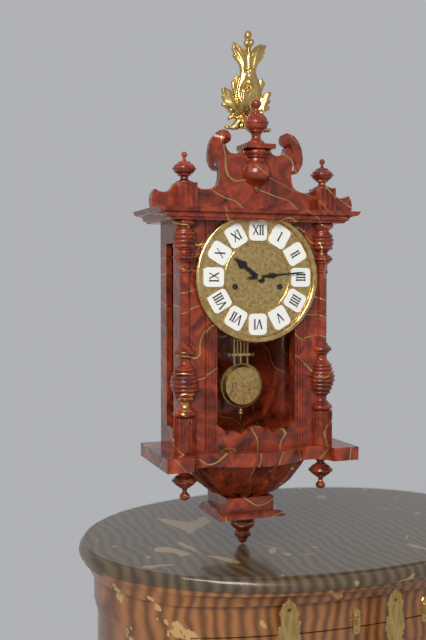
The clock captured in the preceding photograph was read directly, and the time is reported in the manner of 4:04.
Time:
10:14
